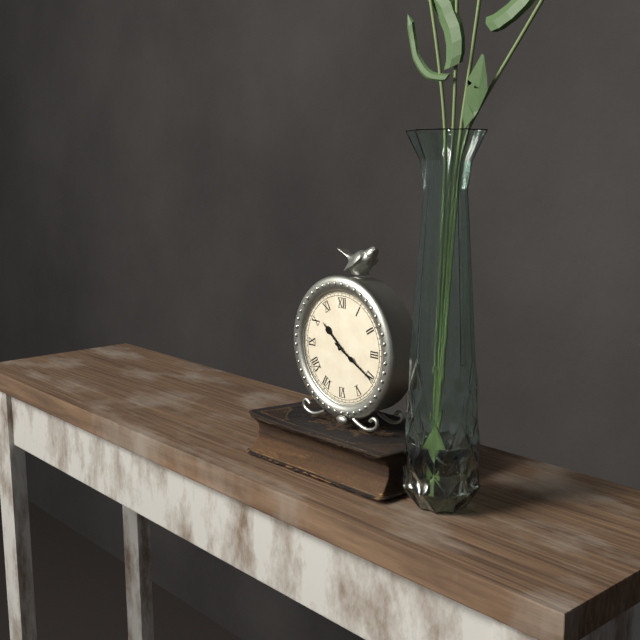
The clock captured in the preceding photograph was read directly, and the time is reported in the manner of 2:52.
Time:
10:20
